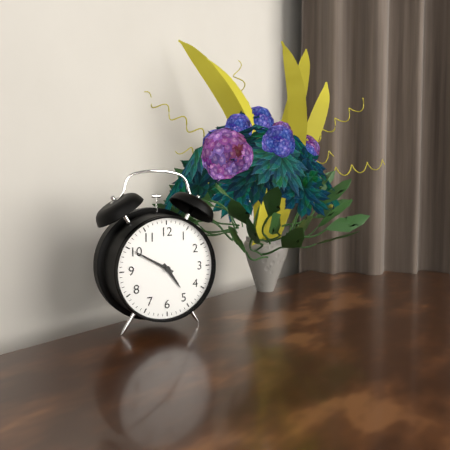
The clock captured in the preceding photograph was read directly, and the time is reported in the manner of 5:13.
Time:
4:50
